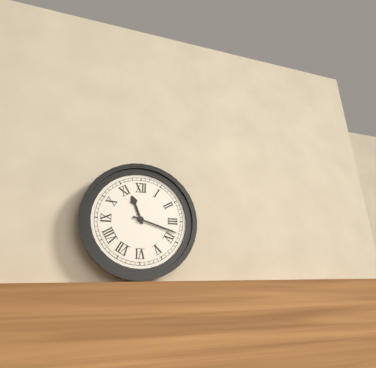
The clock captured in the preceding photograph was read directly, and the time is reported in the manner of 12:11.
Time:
11:18
